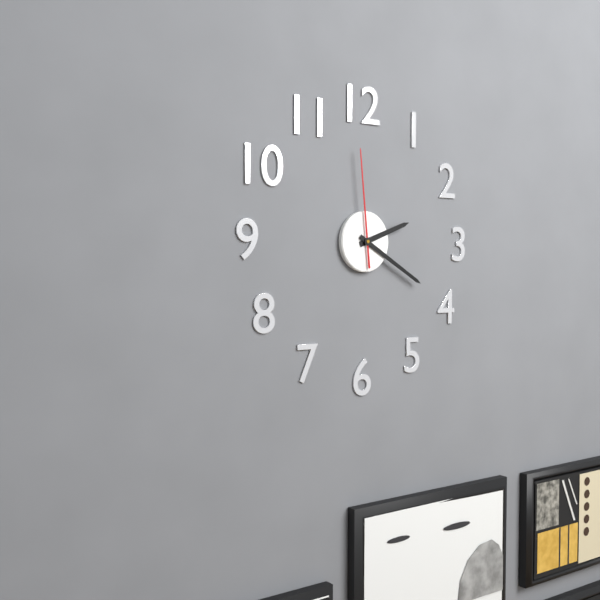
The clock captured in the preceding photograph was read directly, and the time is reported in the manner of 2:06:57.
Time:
2:20:59
